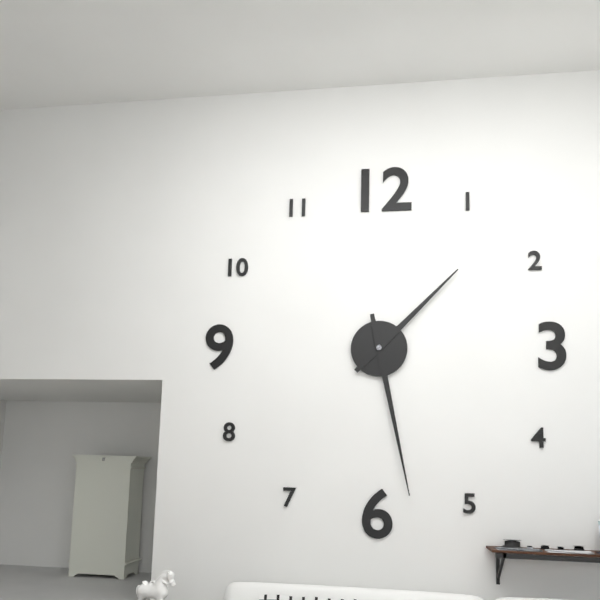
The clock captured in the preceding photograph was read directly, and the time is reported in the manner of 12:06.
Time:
1:28
